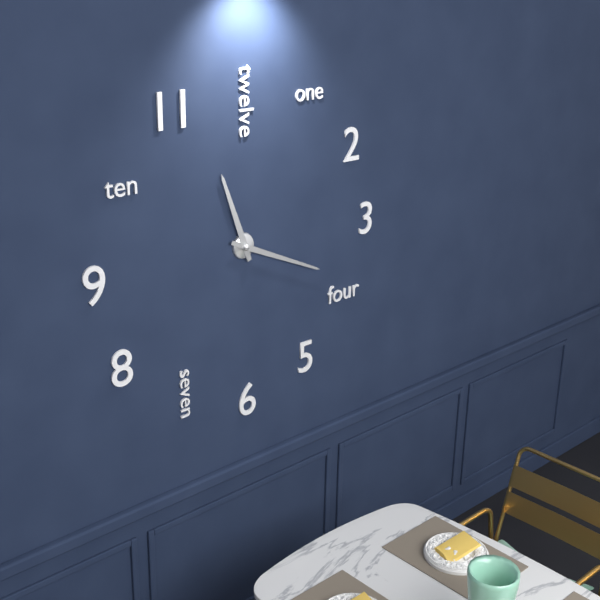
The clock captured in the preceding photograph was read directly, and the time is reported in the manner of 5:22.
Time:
11:19
